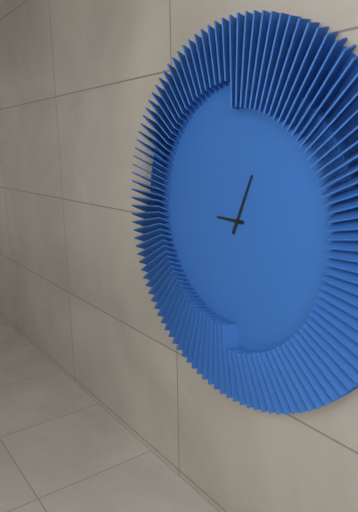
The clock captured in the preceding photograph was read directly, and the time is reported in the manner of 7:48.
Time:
9:04
